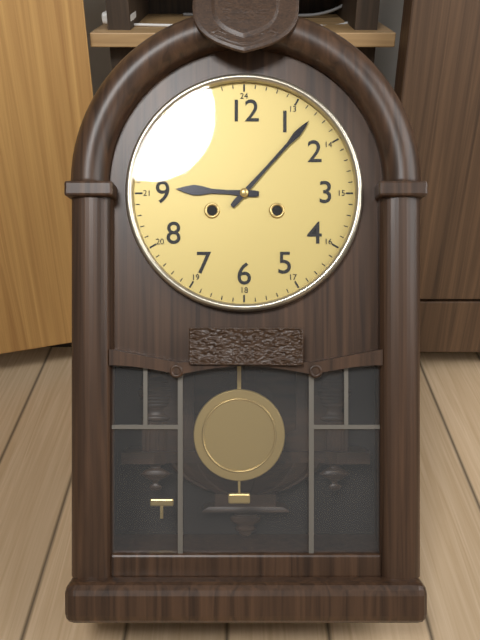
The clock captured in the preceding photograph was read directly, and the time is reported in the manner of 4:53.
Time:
9:07
